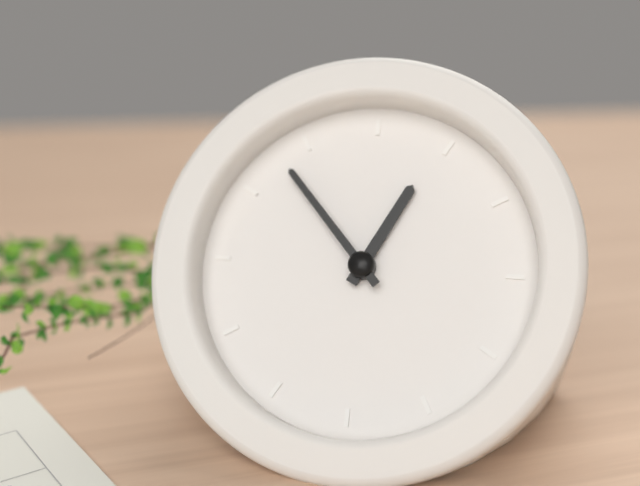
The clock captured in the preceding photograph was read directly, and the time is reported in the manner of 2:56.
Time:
12:53
